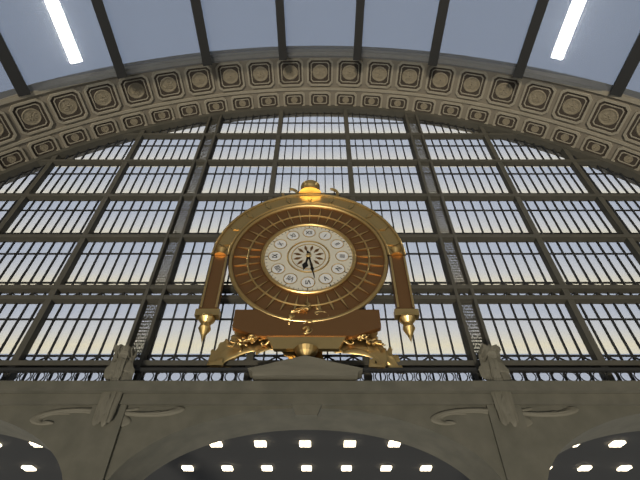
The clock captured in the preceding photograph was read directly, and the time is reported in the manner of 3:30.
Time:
6:28
